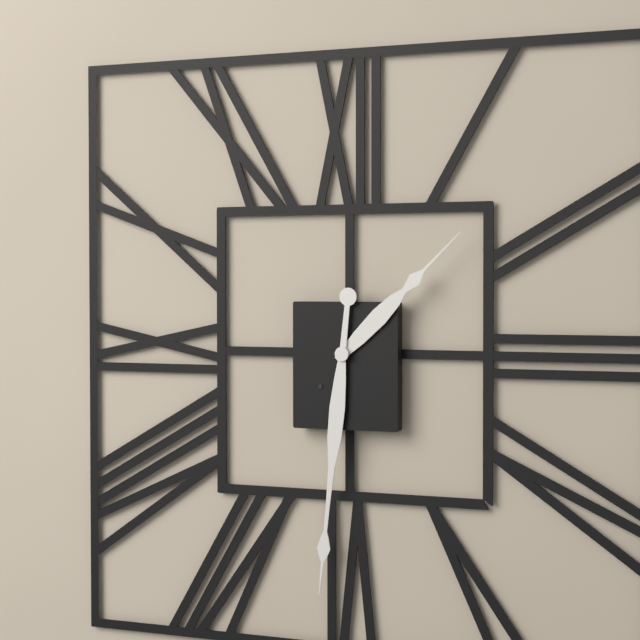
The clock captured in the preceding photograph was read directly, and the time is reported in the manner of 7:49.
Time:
1:31
